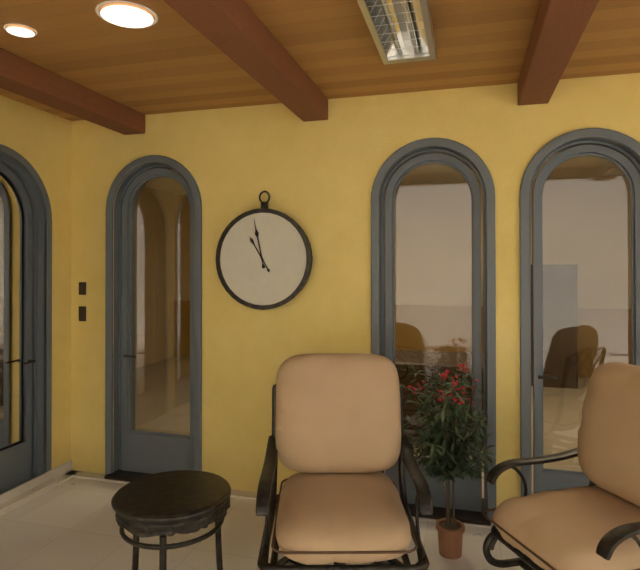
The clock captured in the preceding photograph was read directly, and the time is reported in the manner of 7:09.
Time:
10:58
